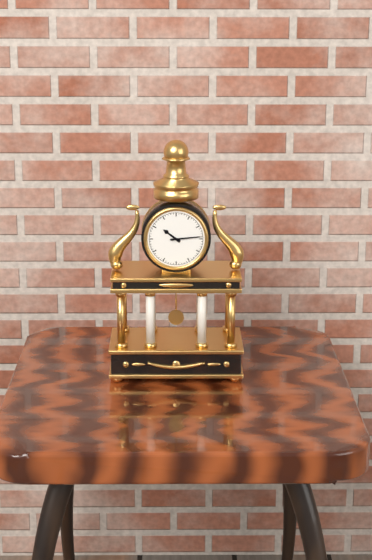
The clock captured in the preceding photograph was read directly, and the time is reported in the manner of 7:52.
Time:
10:14
